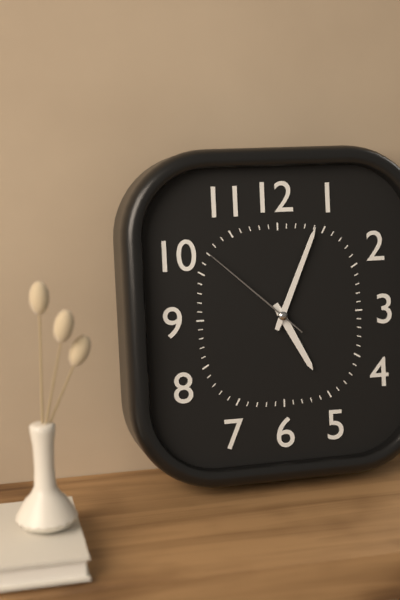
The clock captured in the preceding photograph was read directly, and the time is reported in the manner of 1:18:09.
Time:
5:04:52
